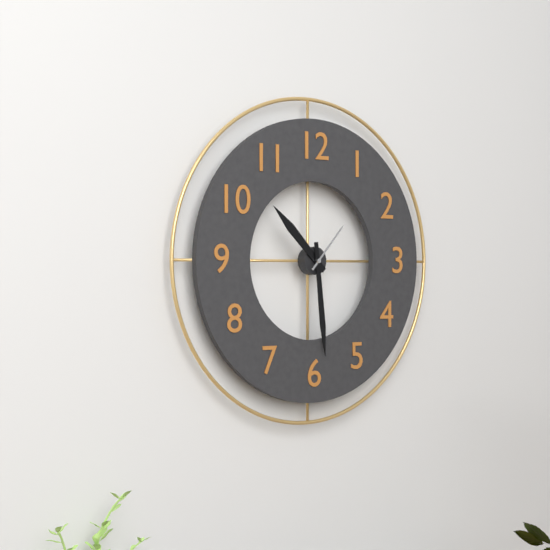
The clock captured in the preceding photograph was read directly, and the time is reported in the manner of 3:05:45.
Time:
10:29:07
